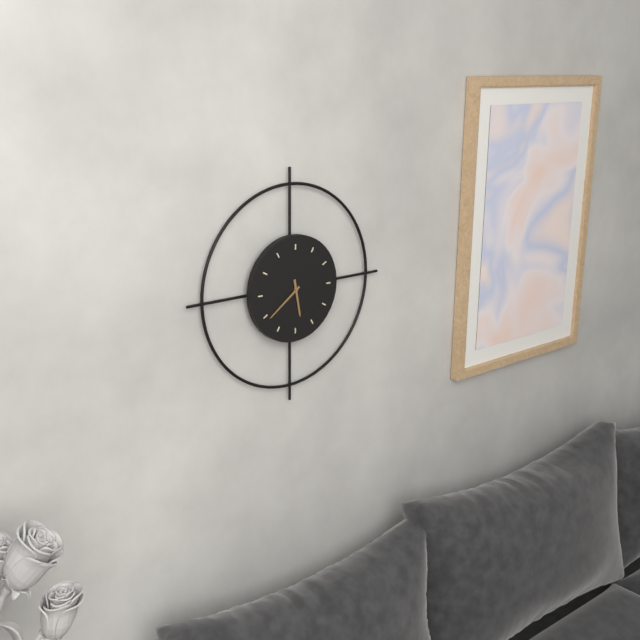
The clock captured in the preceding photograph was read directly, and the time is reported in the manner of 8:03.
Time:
5:39
